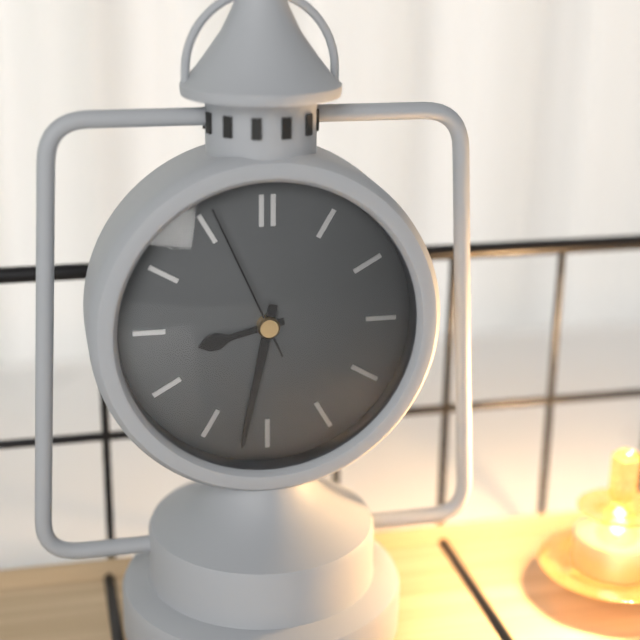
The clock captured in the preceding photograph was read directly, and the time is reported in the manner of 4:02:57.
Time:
8:32:56
